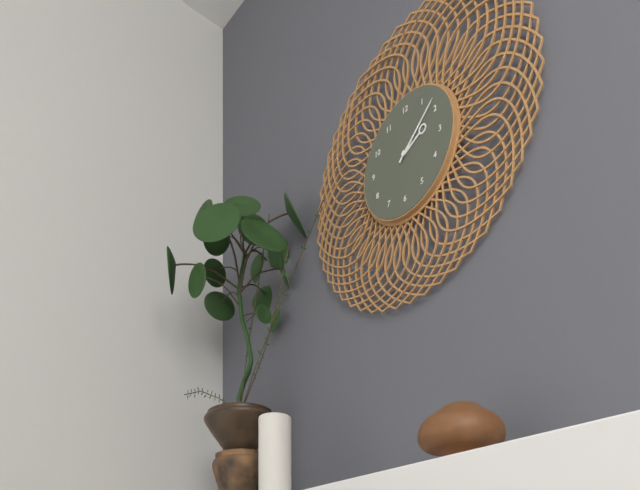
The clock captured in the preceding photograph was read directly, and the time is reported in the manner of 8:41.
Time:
2:08
